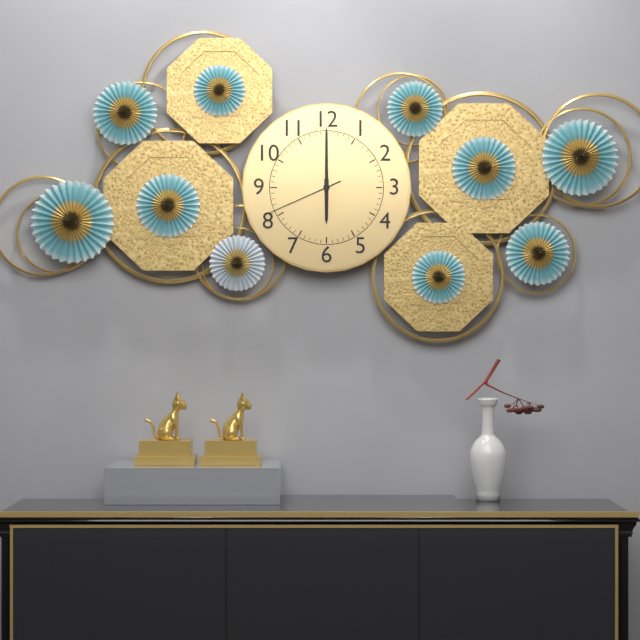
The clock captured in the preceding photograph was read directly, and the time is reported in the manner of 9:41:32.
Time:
6:00:41
